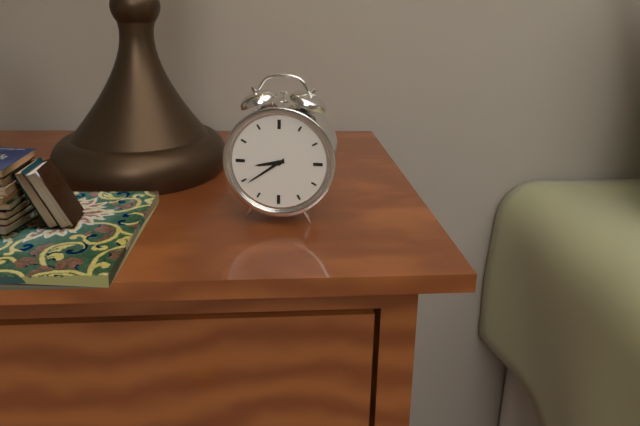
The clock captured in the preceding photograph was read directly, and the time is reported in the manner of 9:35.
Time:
8:39
